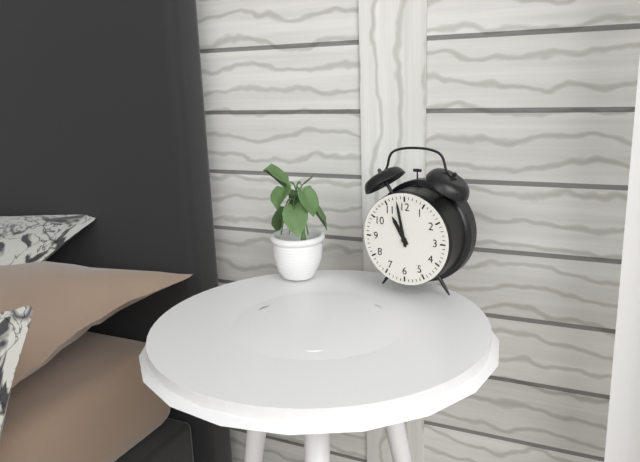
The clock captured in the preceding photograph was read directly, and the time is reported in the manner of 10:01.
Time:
10:58
